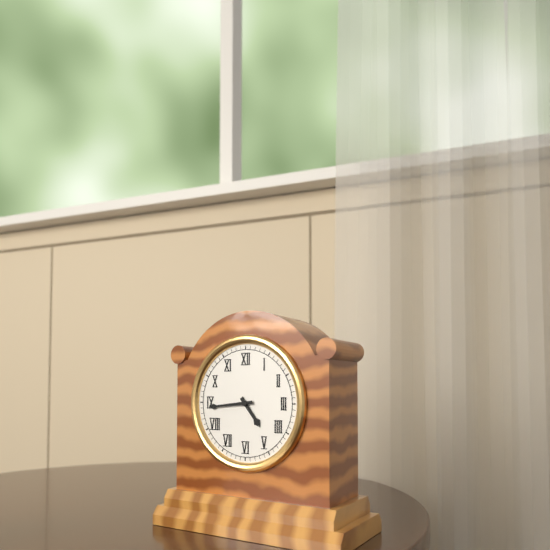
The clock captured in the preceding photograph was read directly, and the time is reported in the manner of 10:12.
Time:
4:44
